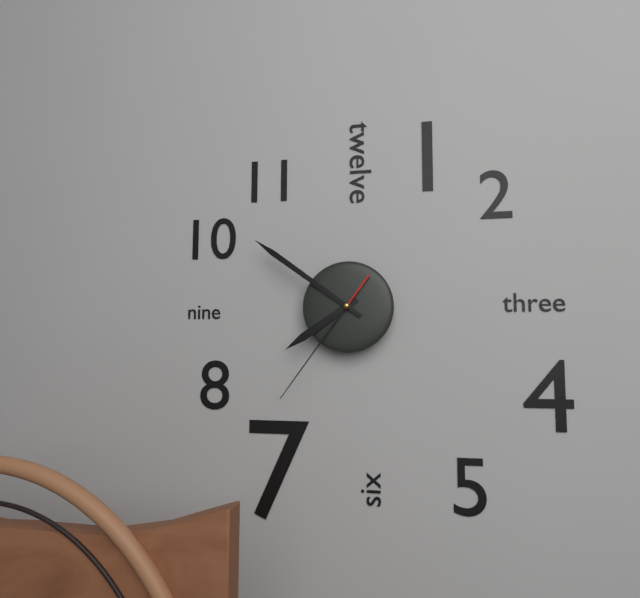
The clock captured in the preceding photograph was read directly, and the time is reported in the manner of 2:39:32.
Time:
7:51:36
